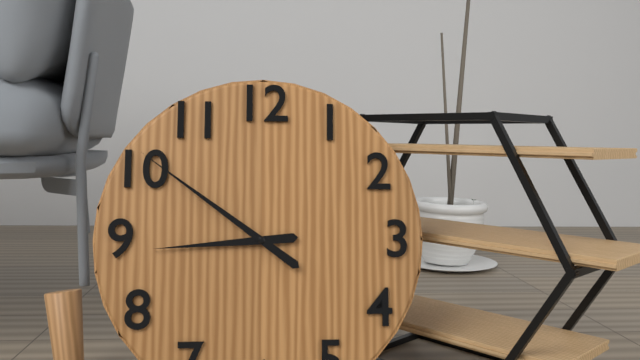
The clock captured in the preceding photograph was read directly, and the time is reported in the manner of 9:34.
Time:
8:51
